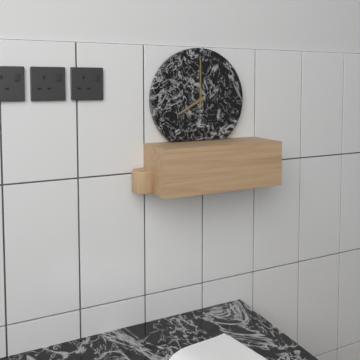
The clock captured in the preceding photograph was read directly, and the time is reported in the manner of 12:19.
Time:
8:00
